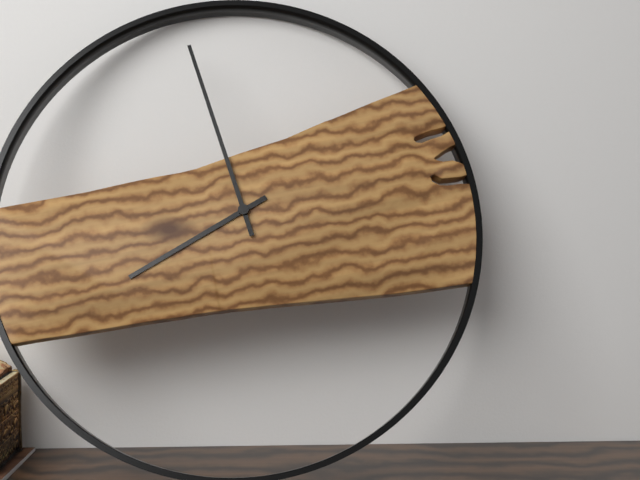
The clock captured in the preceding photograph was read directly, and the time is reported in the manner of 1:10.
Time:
7:57
